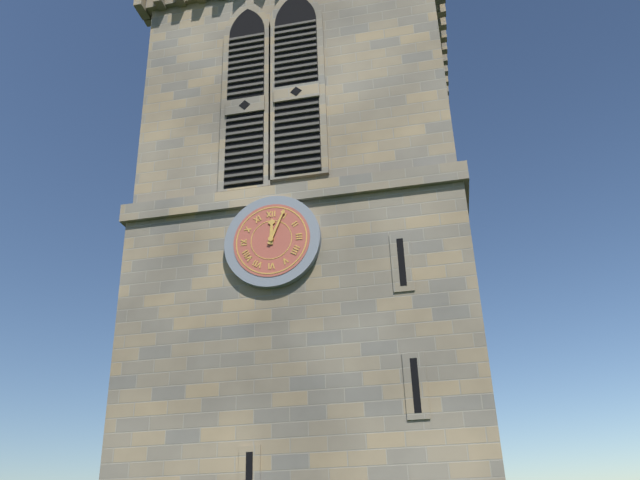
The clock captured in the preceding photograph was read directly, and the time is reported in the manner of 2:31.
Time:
12:04
